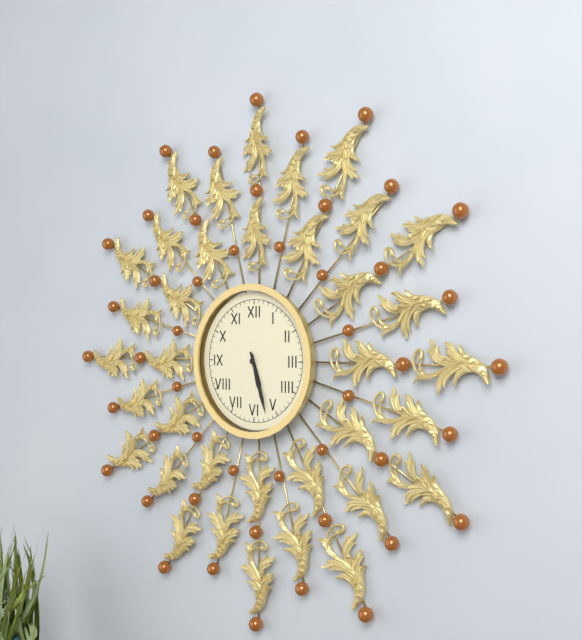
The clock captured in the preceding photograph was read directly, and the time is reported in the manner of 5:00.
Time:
5:27
